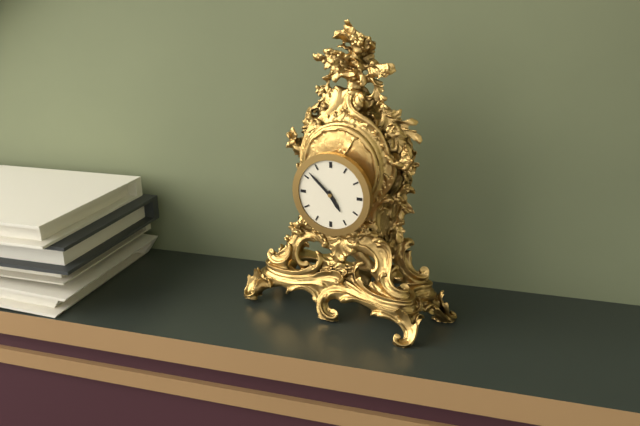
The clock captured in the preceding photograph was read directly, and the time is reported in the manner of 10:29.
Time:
4:52
